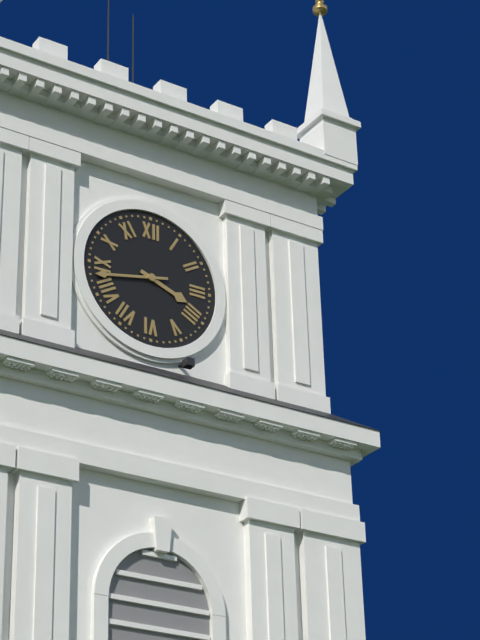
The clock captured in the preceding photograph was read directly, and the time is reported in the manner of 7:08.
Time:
3:43
